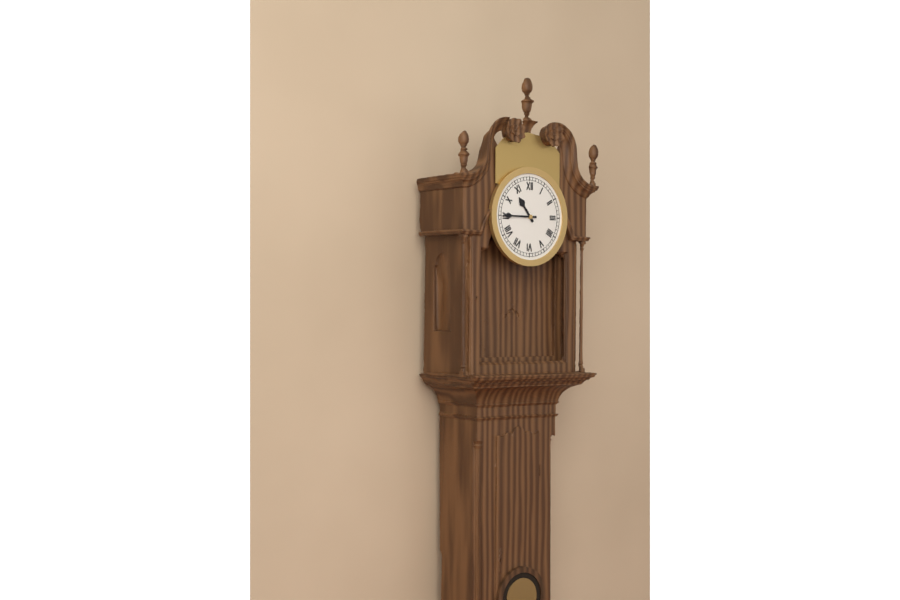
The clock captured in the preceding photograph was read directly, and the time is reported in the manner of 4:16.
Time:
10:45
